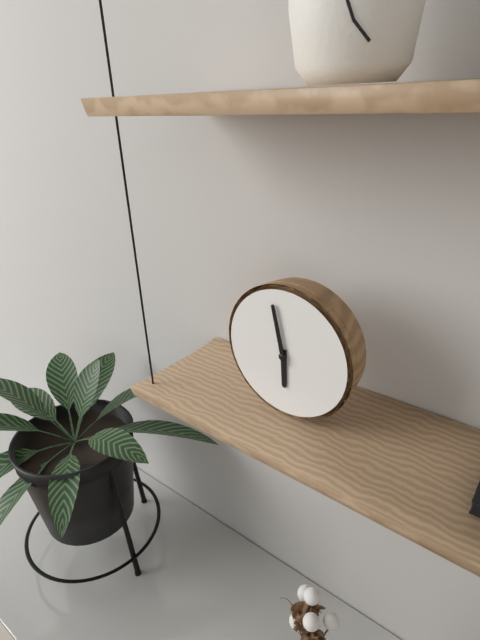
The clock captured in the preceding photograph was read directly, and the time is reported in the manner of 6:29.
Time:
5:58
